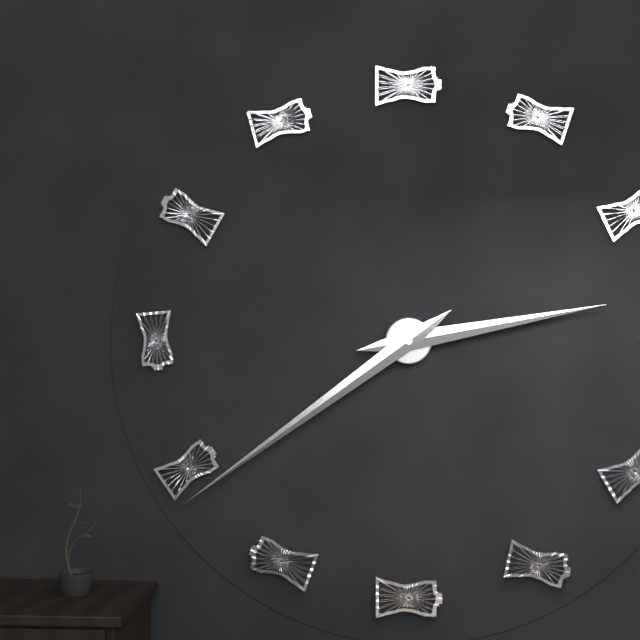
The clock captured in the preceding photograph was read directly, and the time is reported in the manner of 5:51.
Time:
2:39
